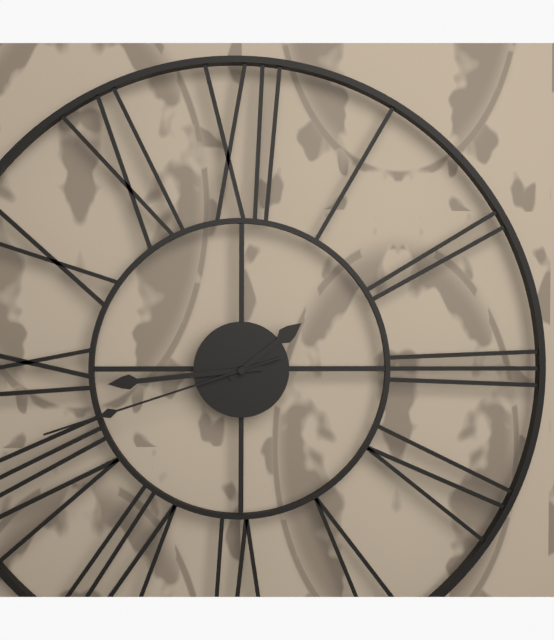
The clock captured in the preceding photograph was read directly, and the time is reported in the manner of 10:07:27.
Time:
1:44:42
